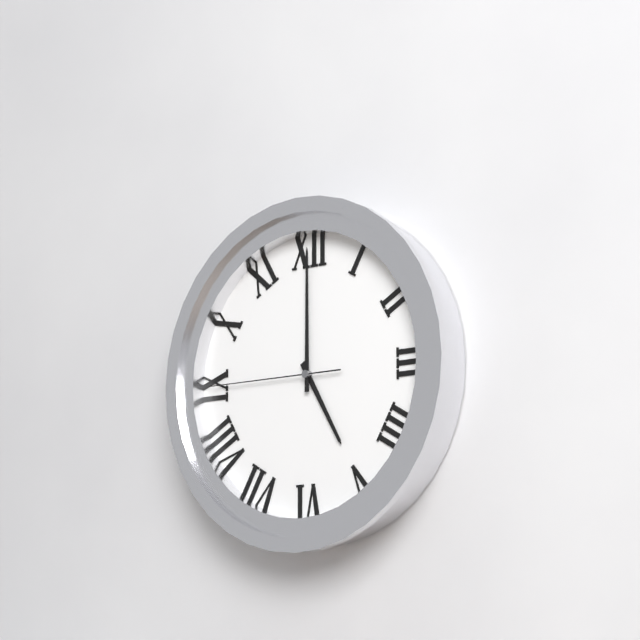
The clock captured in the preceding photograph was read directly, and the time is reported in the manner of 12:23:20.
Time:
5:00:45
